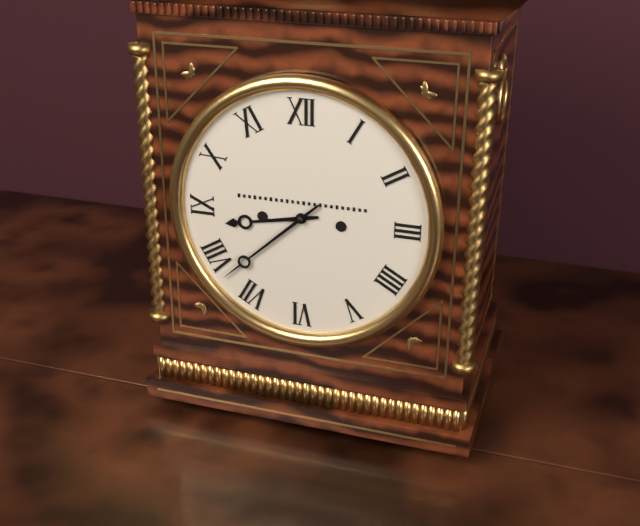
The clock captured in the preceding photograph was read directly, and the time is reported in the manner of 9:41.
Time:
8:38
